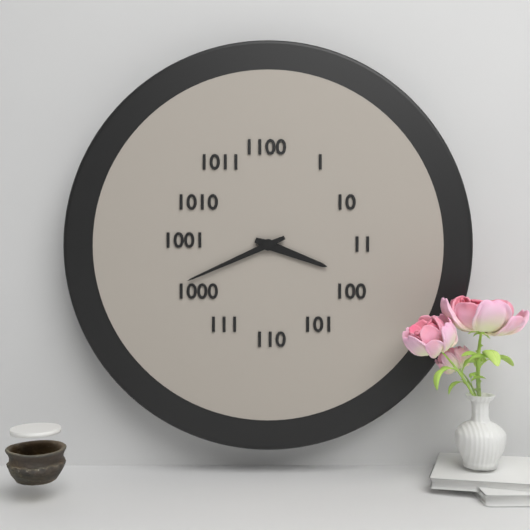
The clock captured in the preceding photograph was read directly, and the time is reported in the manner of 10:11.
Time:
3:41
